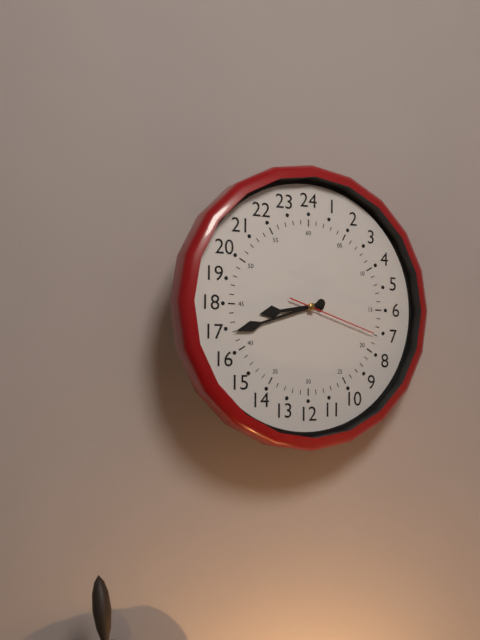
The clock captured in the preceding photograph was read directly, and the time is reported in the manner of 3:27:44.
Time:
8:42:18
